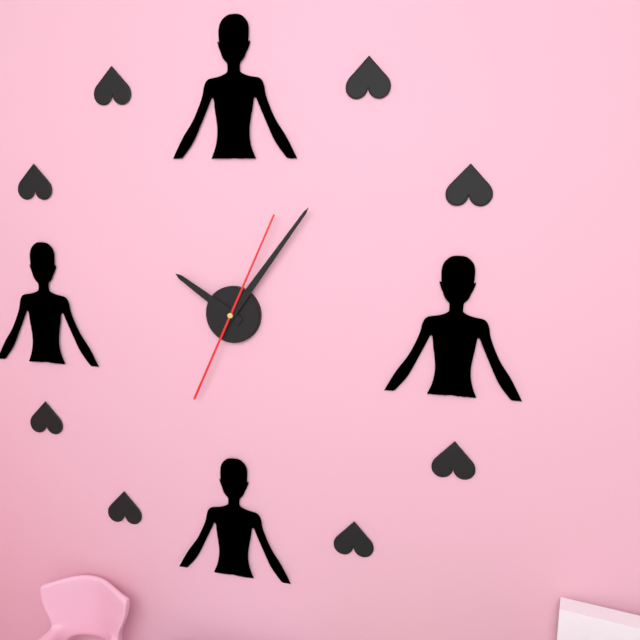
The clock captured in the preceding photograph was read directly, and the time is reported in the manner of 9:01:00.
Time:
10:06:04
